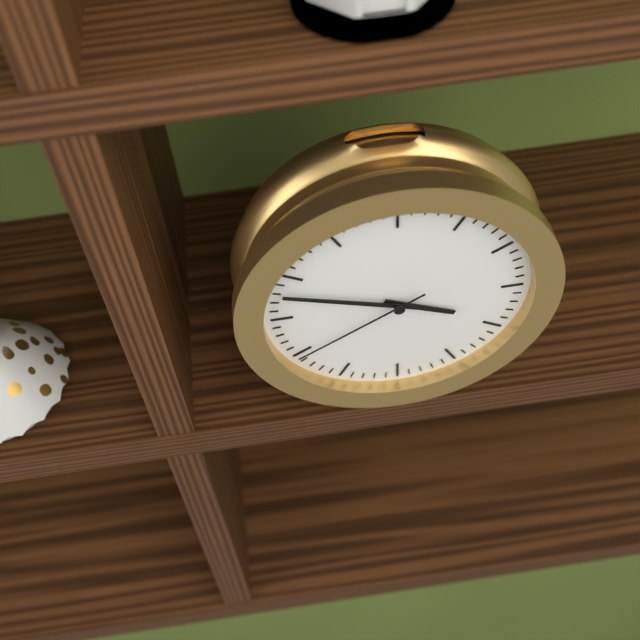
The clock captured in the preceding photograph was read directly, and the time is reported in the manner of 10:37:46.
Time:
3:48:40
